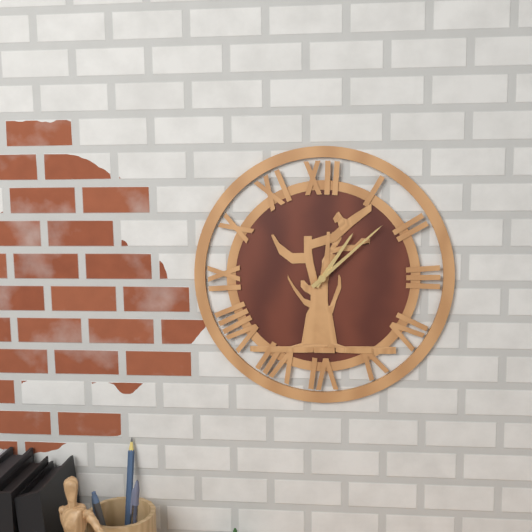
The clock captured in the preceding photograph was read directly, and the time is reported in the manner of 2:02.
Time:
1:08
